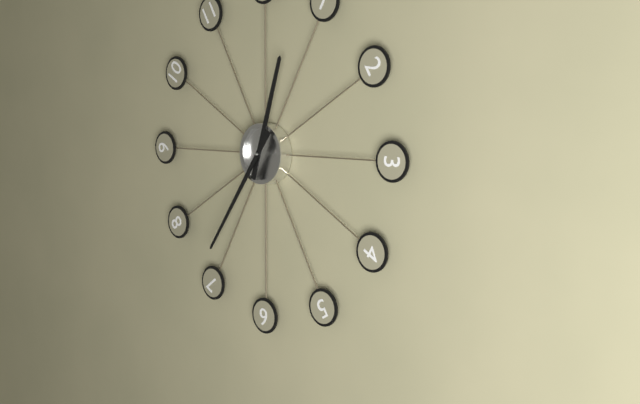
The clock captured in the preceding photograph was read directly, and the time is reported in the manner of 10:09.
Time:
12:36
